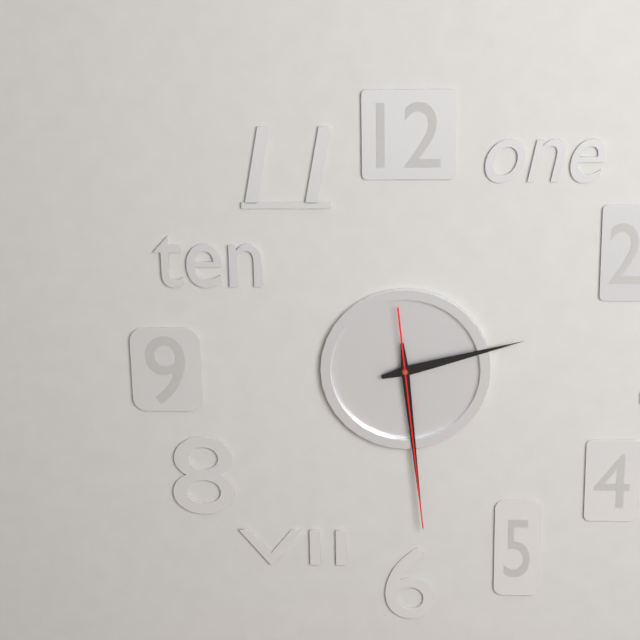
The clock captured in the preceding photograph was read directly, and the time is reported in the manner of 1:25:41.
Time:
2:29:29
